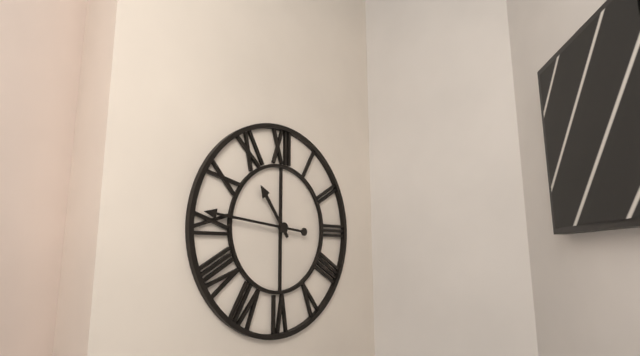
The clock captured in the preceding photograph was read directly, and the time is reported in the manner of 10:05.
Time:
10:46
